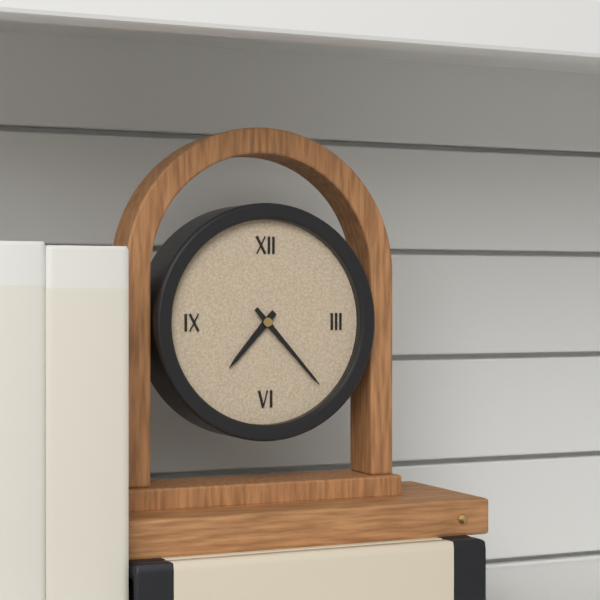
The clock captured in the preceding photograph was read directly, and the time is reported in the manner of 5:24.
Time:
7:23
